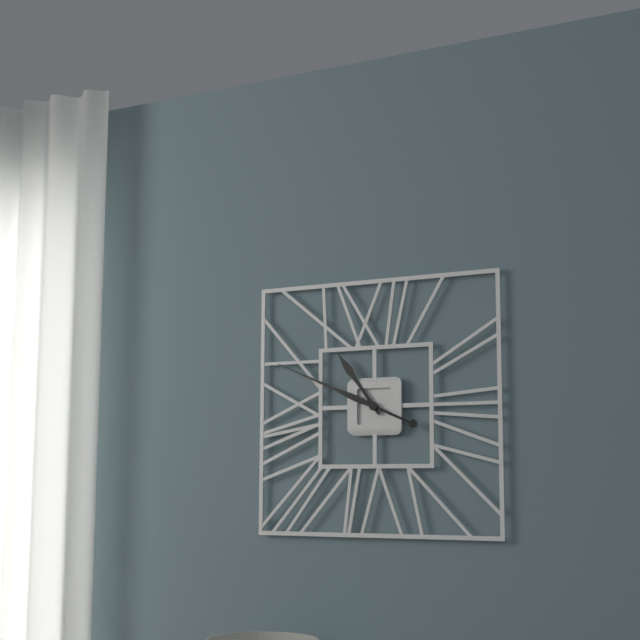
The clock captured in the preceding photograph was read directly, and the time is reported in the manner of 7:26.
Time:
10:49
